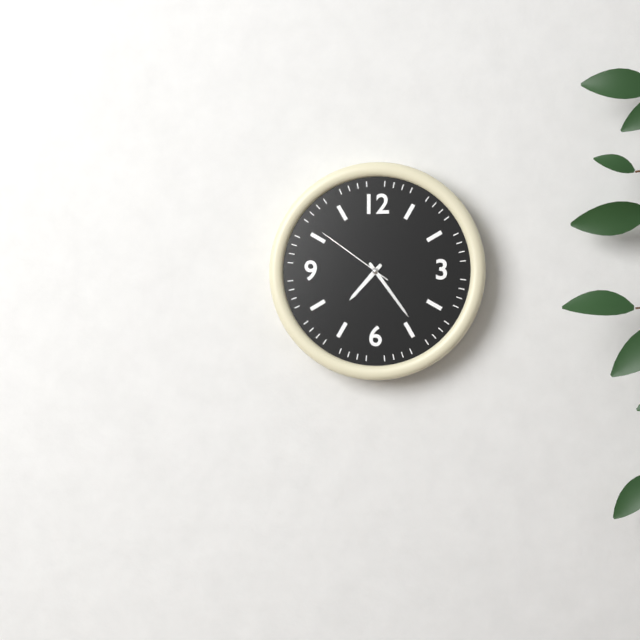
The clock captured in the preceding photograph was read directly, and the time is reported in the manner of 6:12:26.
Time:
7:24:51
